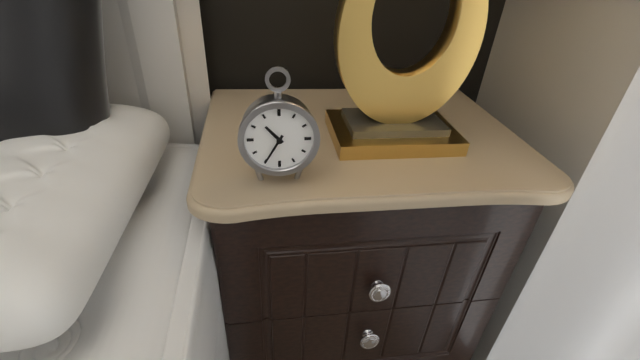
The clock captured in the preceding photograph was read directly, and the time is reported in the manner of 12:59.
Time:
10:35
